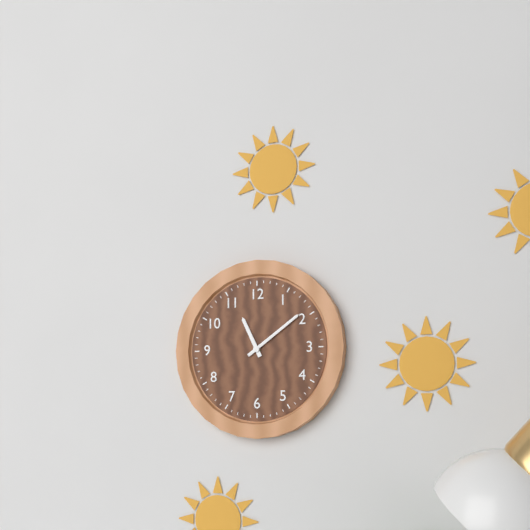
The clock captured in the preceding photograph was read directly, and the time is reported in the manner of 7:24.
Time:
11:09
